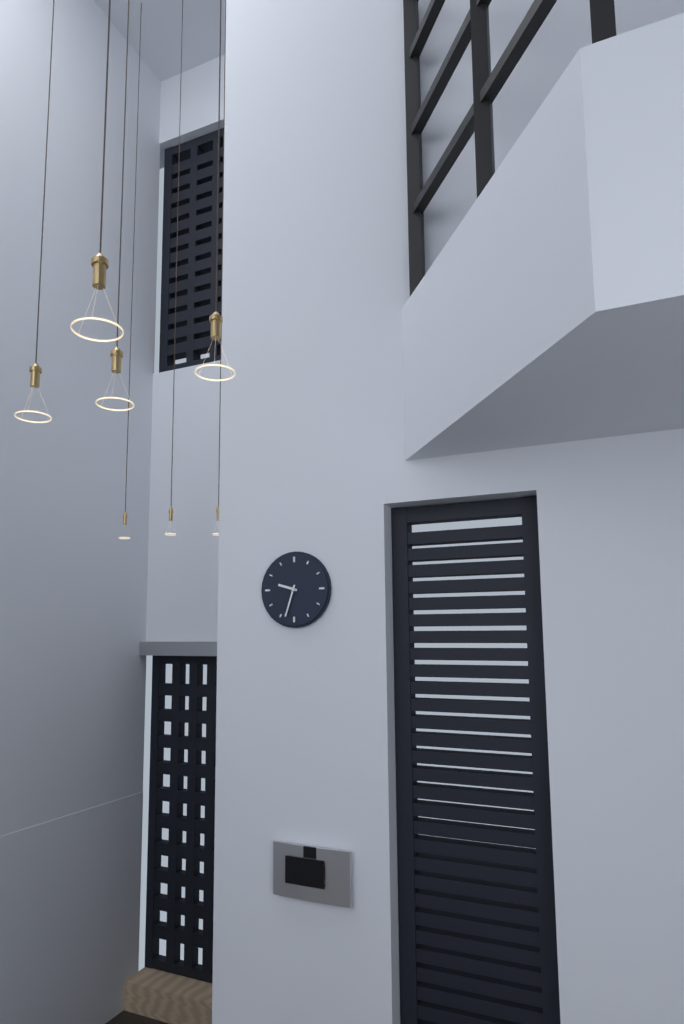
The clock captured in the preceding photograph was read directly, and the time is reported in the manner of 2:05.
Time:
9:33
